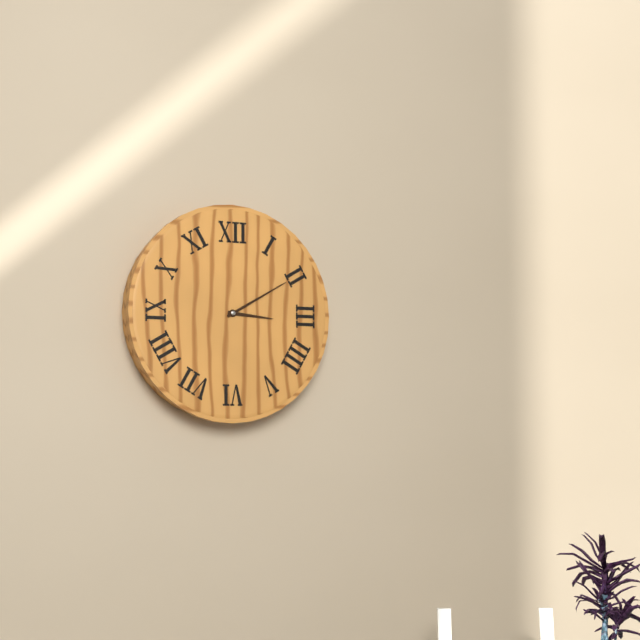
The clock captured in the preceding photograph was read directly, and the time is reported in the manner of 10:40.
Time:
3:10
